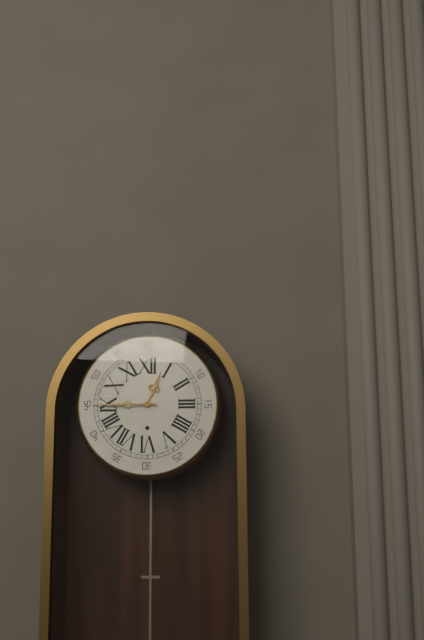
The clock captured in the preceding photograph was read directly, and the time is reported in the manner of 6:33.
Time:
12:45
